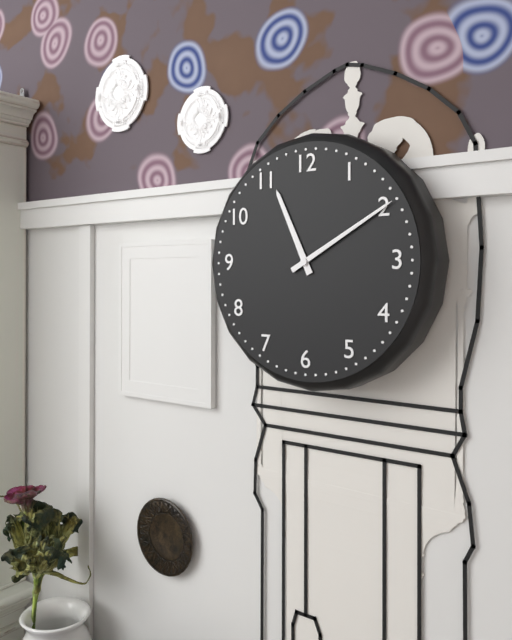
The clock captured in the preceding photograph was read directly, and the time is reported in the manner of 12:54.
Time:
11:10
